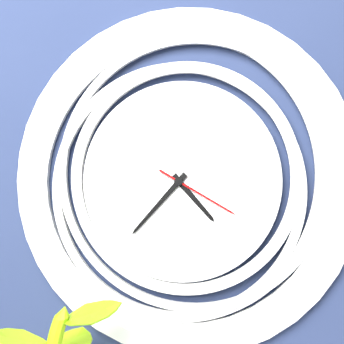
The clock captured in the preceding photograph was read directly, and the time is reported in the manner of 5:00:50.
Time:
4:37:20
